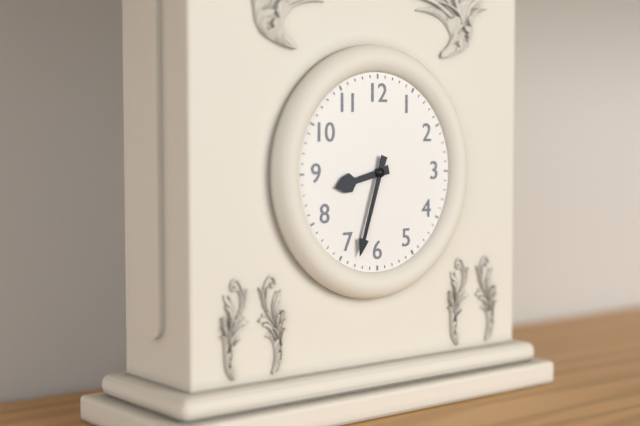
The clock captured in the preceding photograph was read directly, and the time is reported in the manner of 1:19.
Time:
8:33
